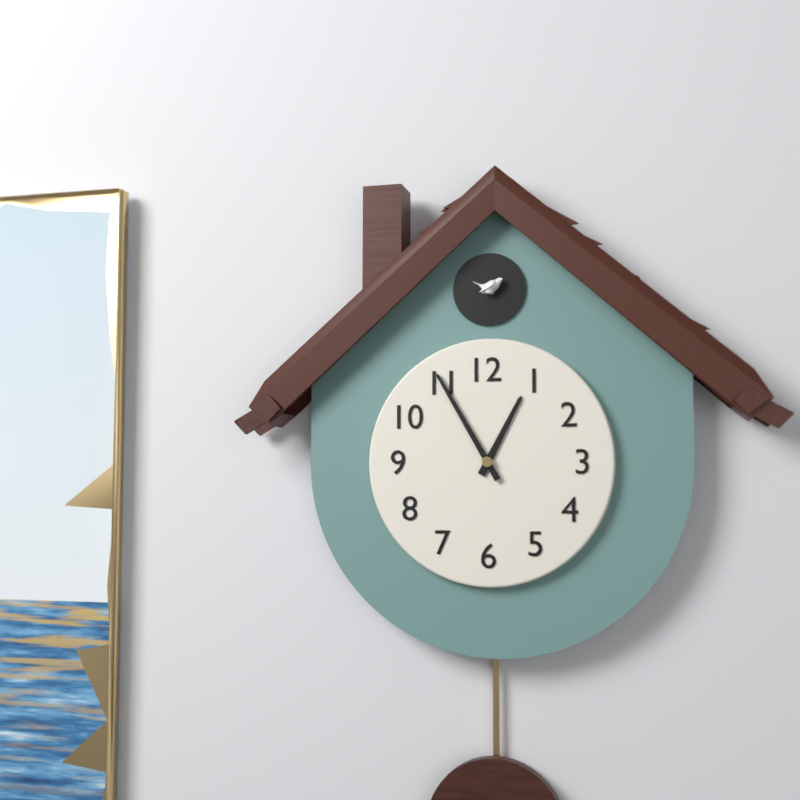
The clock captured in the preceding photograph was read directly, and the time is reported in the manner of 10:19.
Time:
12:55
